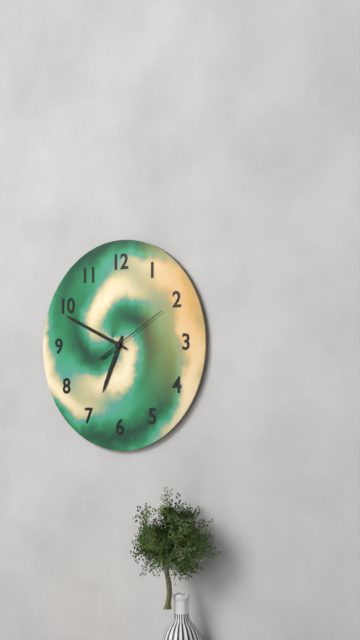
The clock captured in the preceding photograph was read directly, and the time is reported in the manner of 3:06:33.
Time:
6:49:10
